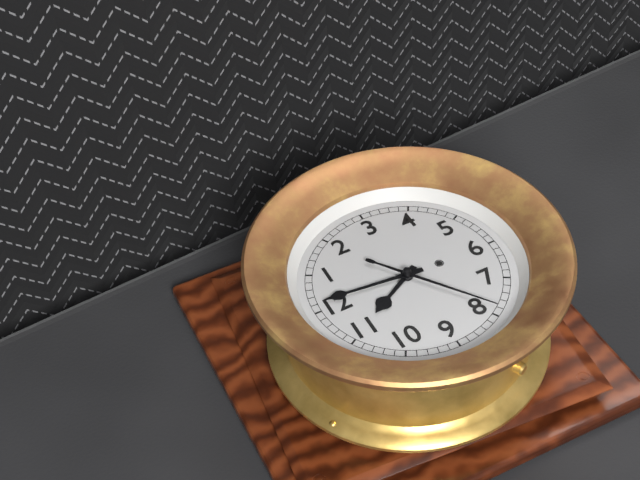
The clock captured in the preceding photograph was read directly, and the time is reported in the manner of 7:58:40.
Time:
11:01:39
